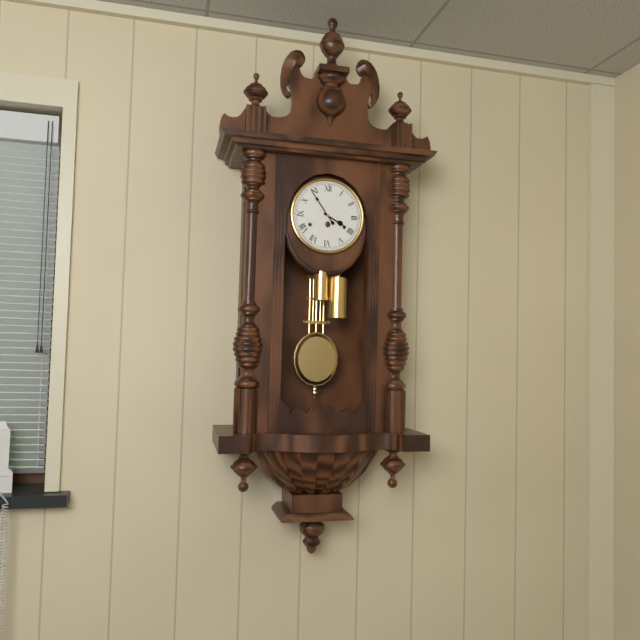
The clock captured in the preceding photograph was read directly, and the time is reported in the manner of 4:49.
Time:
3:54
